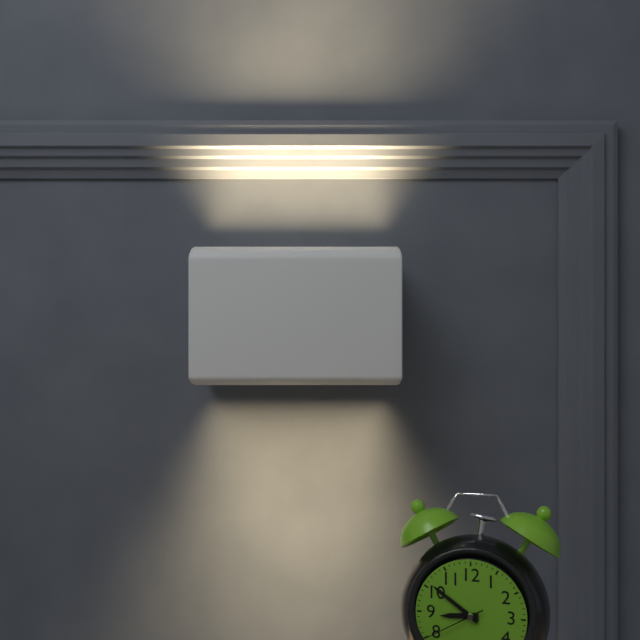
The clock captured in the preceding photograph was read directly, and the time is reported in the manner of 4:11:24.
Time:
8:51:40
